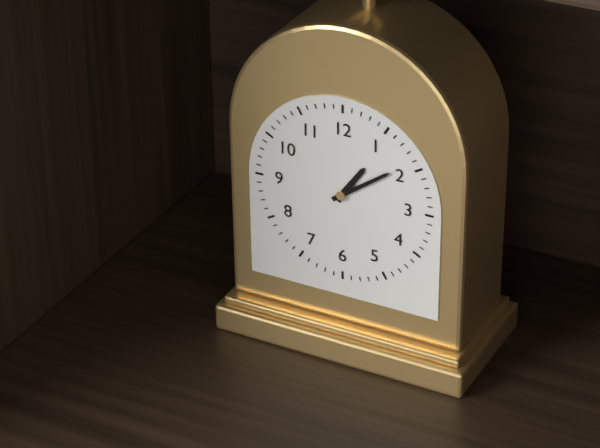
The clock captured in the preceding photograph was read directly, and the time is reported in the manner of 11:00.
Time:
1:09
